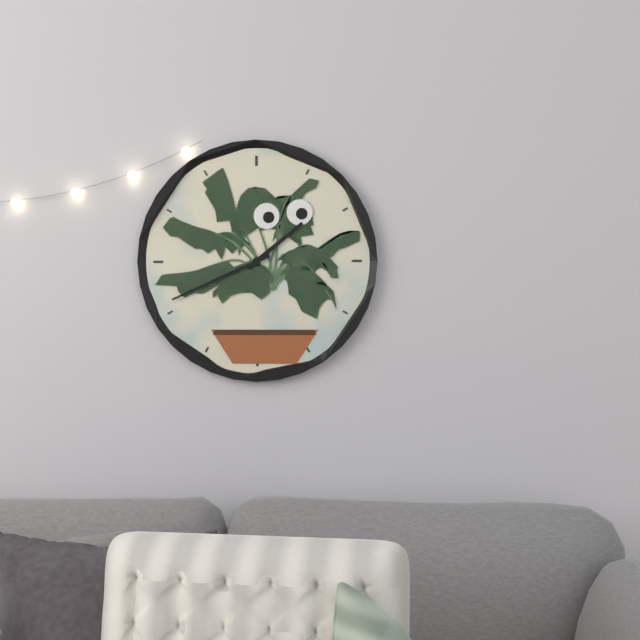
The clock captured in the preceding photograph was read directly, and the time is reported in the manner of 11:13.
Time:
1:41
